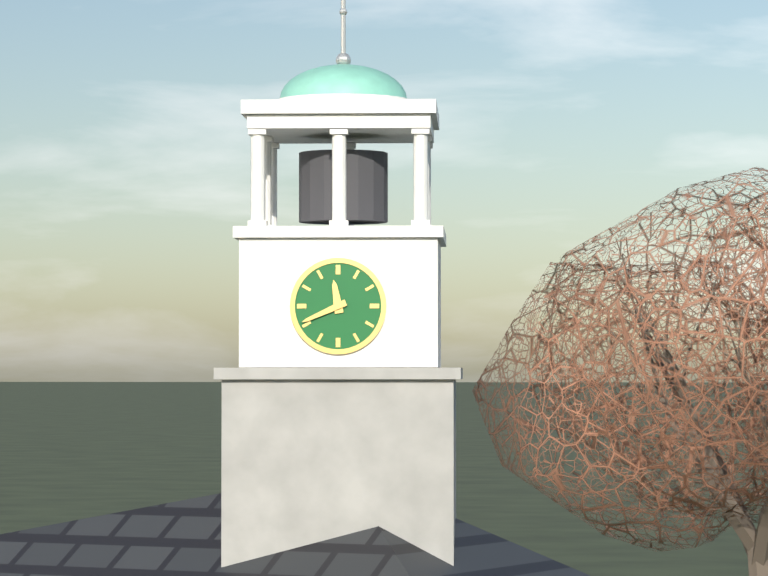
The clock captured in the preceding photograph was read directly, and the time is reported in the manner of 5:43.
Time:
11:41
